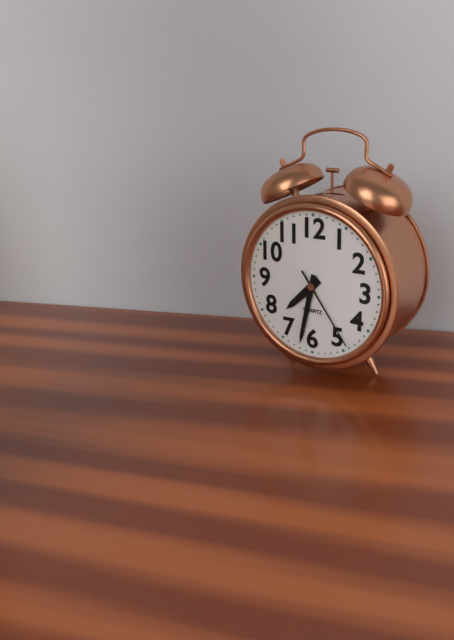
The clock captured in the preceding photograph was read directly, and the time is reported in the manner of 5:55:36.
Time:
7:32:24
